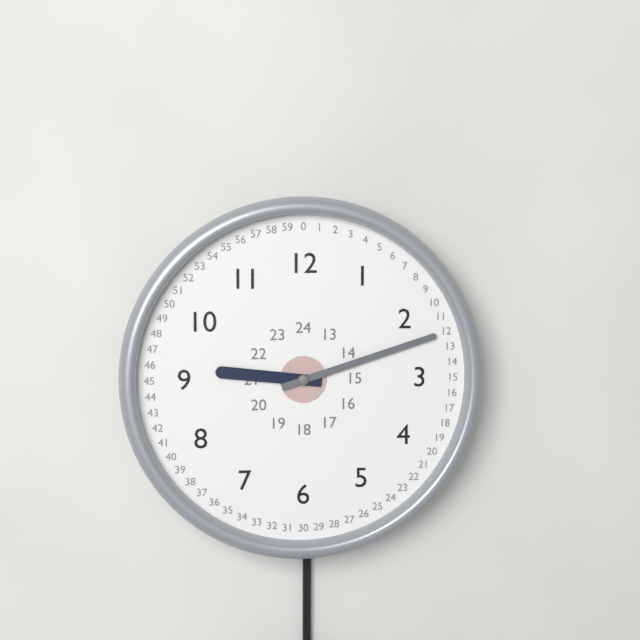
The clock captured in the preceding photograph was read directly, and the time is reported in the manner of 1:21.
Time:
9:12
